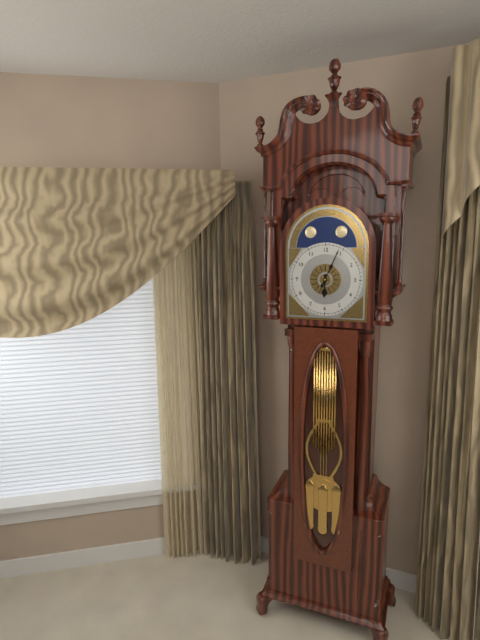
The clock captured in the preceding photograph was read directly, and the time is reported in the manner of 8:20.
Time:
6:04
